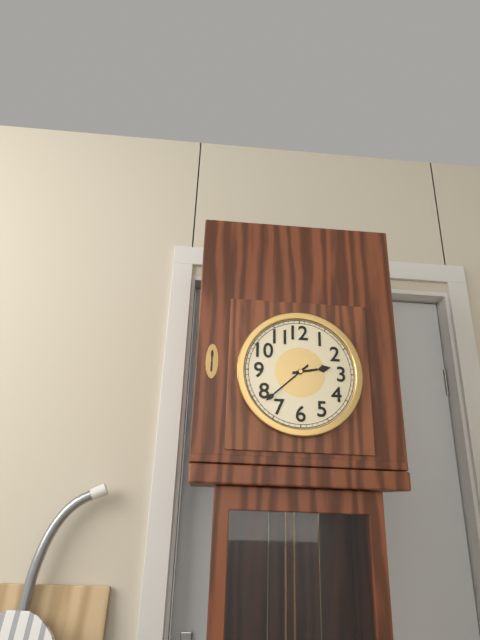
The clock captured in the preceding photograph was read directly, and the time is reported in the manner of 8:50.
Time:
2:38
